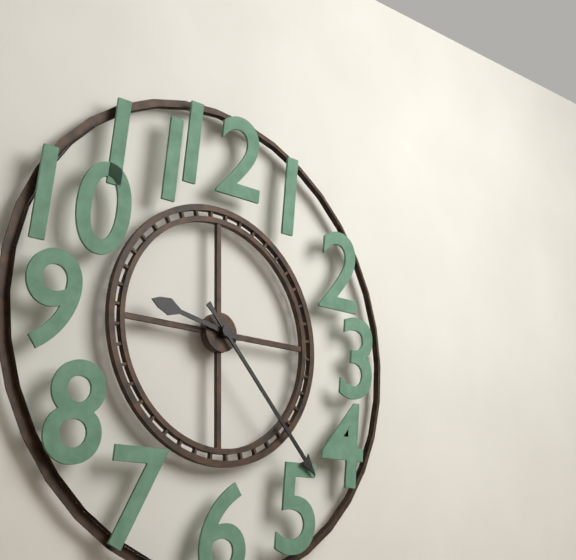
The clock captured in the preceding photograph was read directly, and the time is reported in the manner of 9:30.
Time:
9:23
